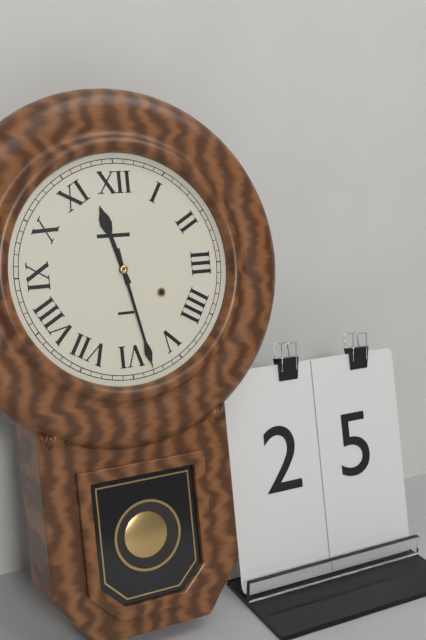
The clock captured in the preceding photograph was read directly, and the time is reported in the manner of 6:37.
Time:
11:28
